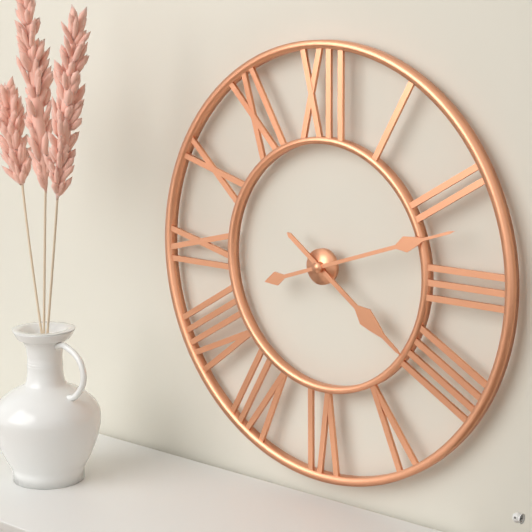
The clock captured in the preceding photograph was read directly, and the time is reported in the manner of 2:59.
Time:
4:12
